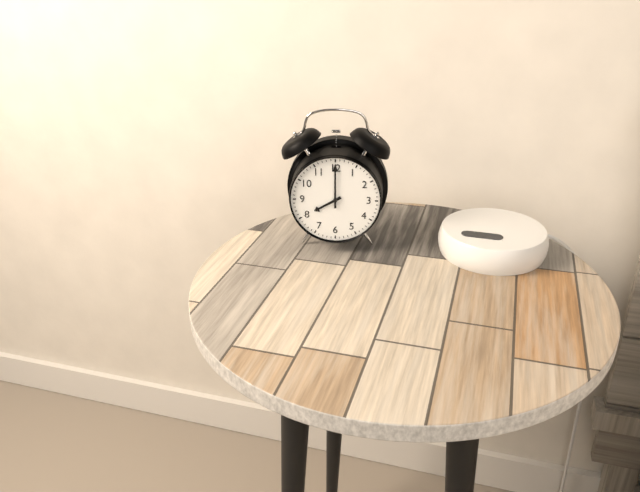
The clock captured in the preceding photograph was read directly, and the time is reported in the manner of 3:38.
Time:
8:00
